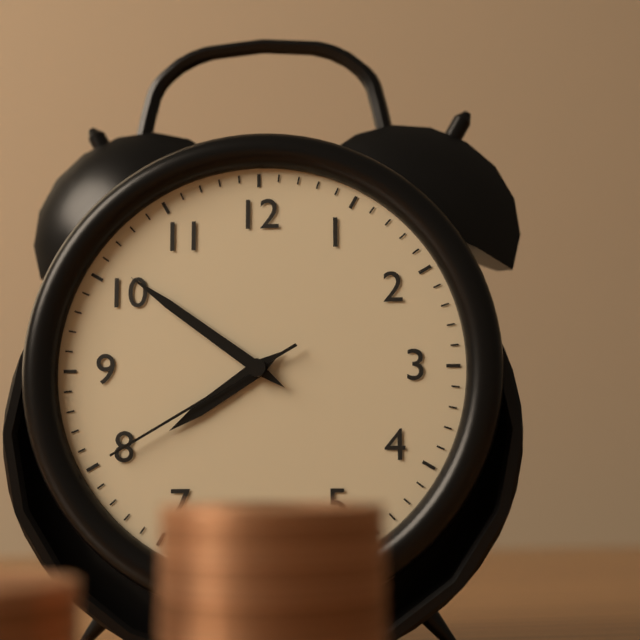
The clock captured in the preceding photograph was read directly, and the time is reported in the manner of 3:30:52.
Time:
7:51:40
